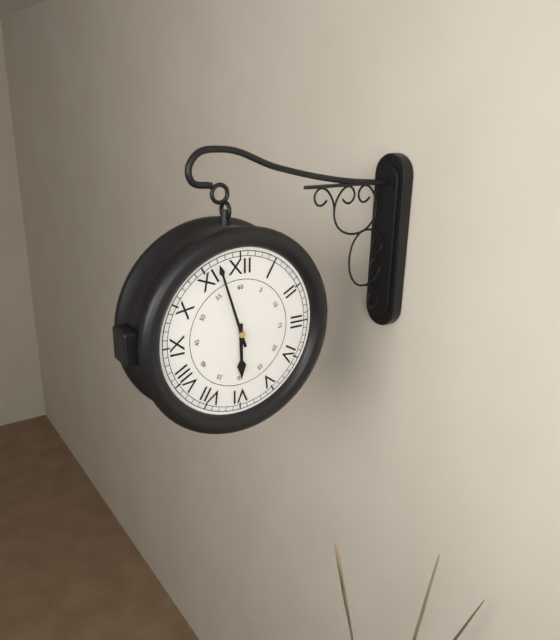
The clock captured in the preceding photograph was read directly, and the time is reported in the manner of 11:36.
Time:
5:57
